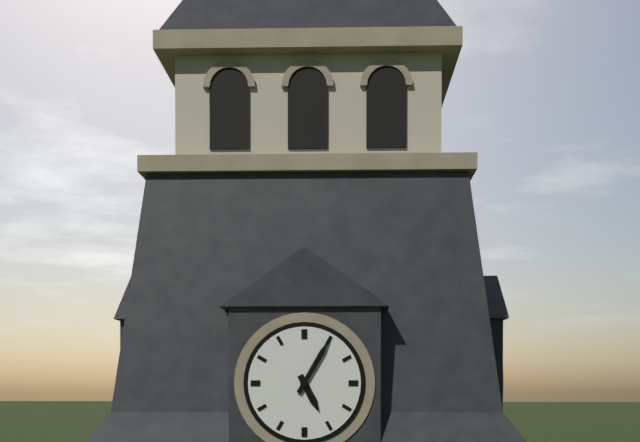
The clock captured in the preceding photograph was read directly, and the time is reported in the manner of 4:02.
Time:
5:05
